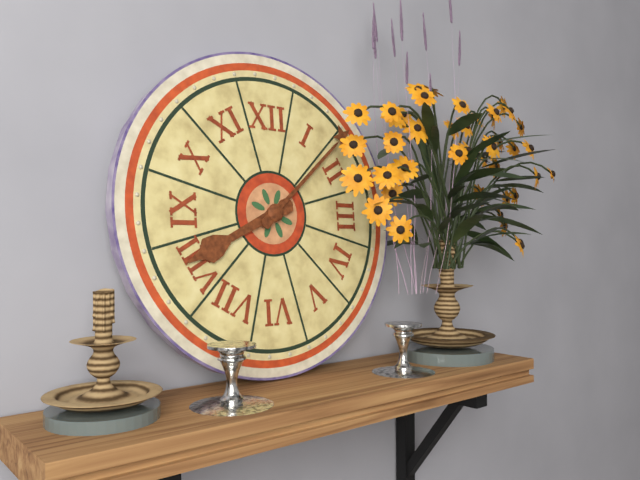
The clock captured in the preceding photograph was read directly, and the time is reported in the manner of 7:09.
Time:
8:08
